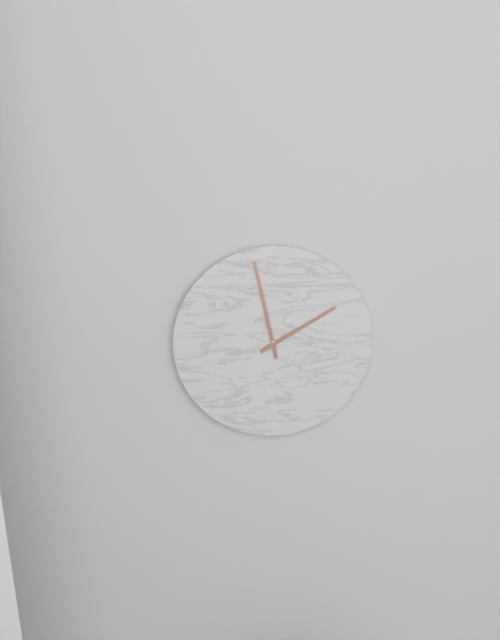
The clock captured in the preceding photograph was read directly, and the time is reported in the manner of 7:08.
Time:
1:58
